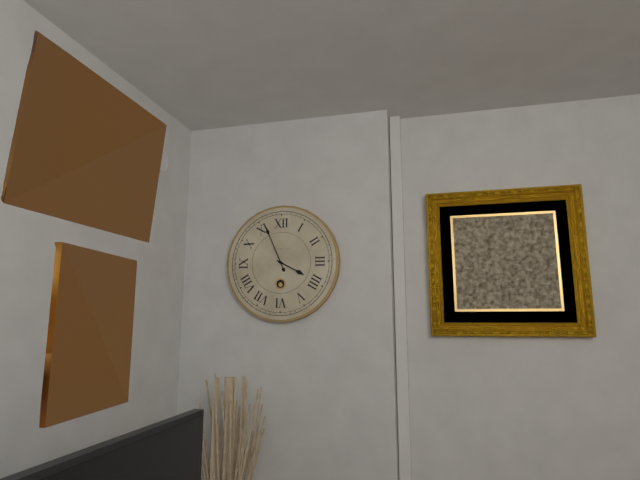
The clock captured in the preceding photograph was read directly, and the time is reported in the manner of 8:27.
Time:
3:56
